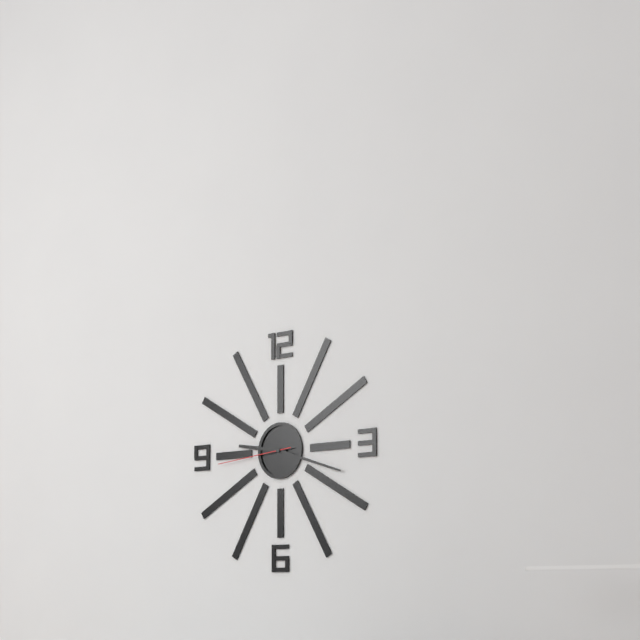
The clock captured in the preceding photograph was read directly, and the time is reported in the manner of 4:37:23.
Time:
9:18:44
